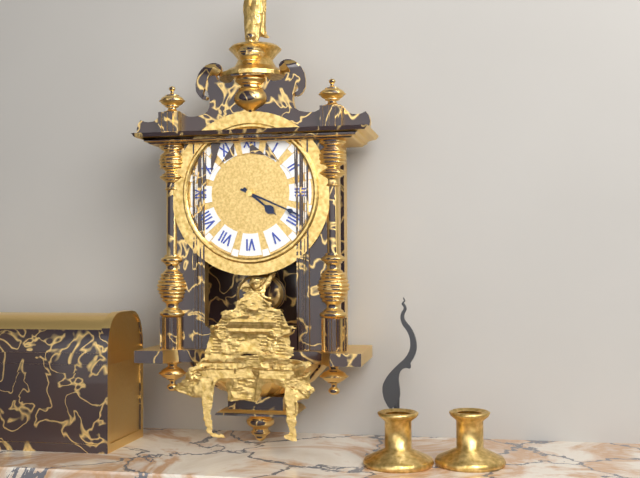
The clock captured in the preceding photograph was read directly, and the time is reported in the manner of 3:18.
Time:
4:19
